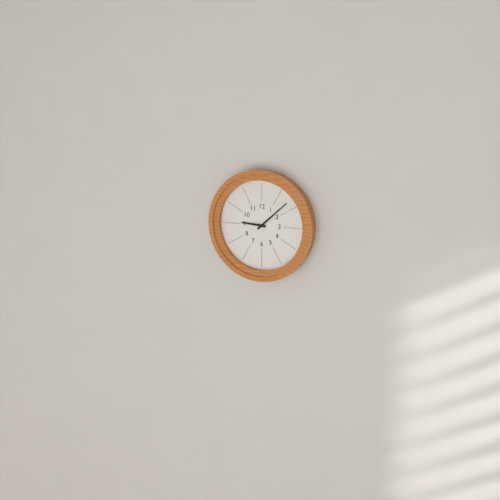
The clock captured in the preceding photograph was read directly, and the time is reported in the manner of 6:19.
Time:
9:08
